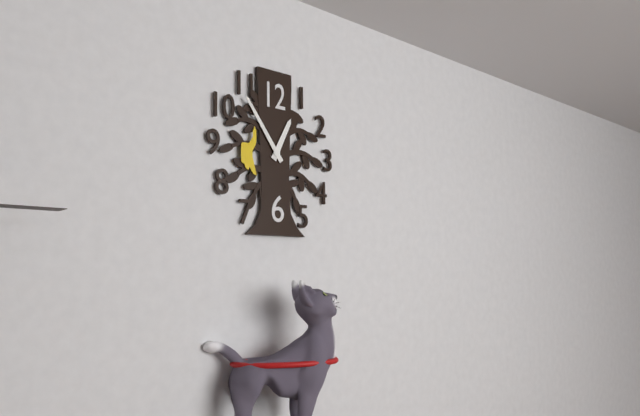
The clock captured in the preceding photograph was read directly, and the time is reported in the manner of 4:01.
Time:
12:54
